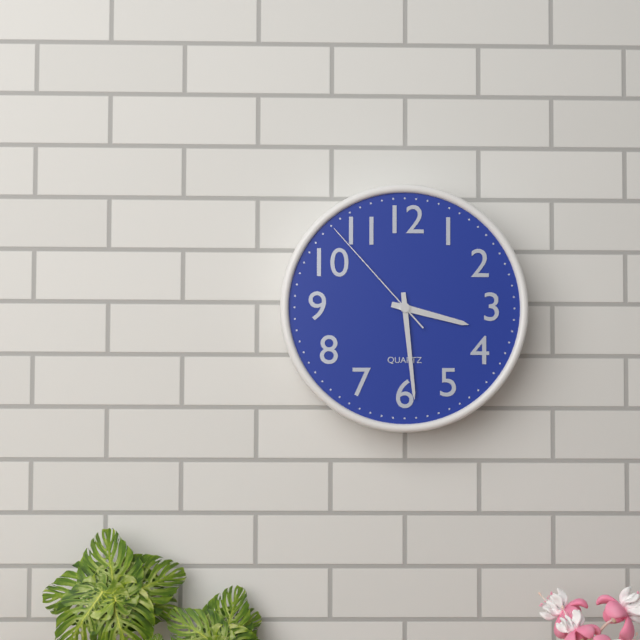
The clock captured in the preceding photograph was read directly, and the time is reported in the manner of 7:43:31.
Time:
3:29:53
